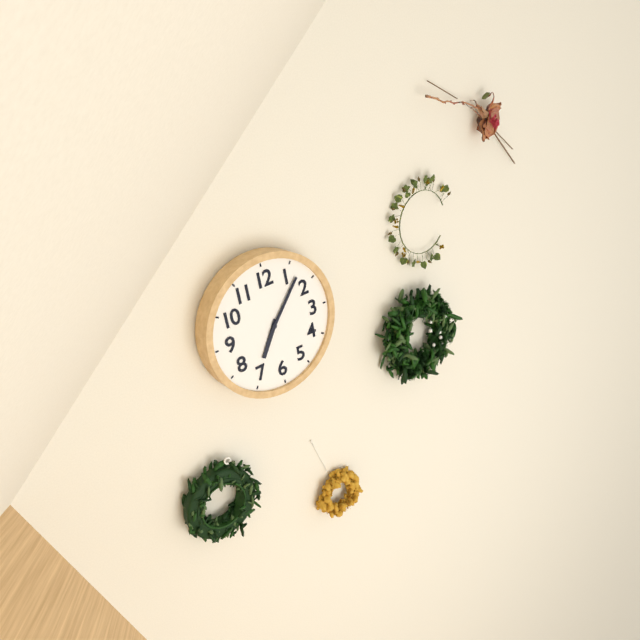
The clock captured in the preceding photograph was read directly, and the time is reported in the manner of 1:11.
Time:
7:07
